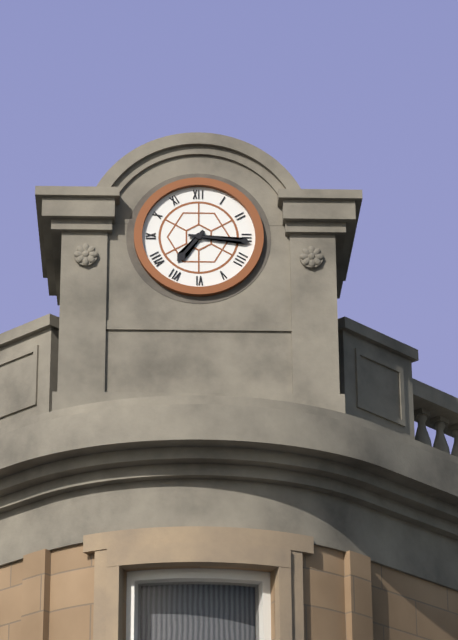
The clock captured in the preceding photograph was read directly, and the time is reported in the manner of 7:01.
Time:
7:16
